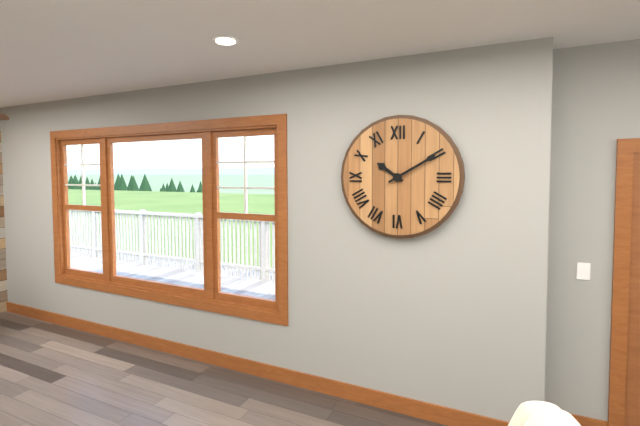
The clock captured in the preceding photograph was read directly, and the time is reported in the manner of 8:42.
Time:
10:10
